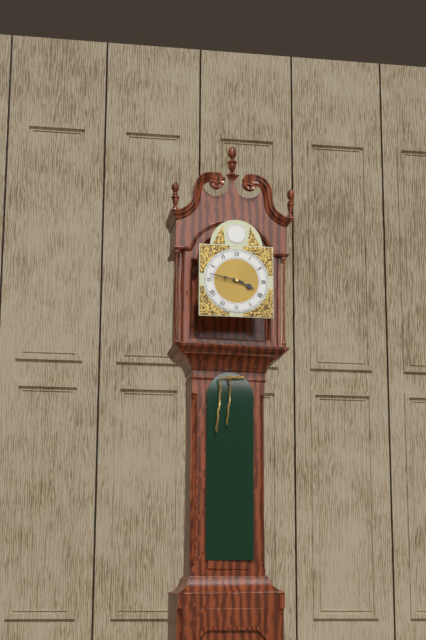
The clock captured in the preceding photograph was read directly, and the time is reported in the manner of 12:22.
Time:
3:47
